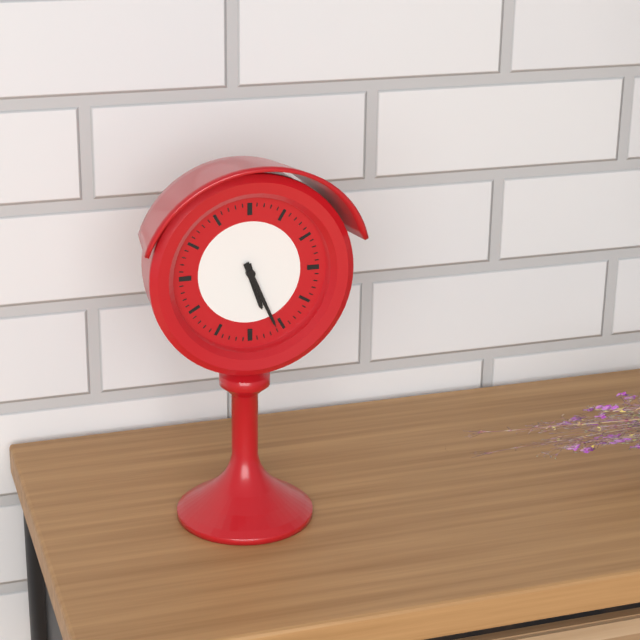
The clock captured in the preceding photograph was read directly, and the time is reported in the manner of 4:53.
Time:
5:26
